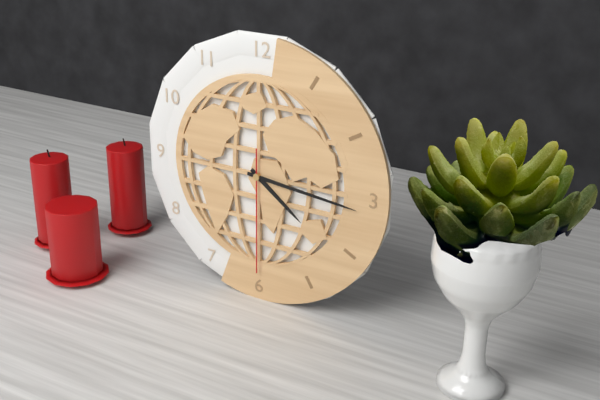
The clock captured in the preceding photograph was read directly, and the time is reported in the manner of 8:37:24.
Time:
4:16:30
